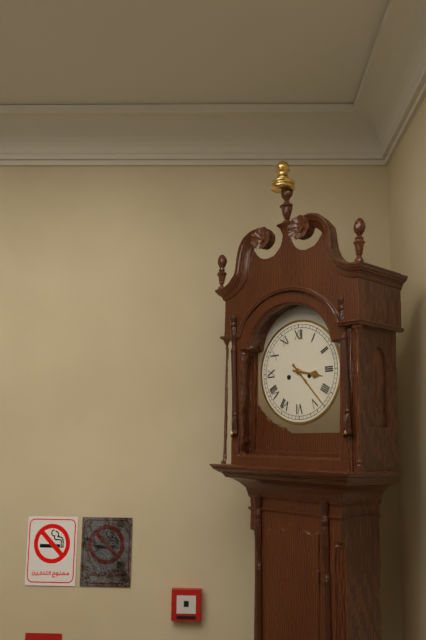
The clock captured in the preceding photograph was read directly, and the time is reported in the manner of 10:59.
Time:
3:23
